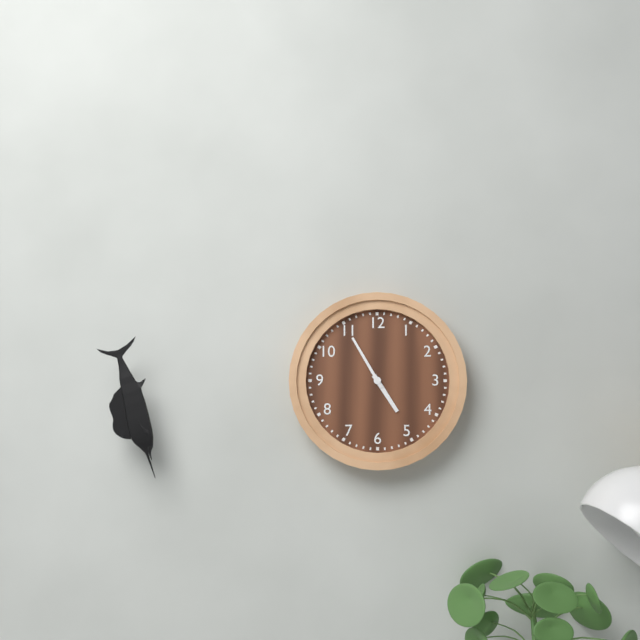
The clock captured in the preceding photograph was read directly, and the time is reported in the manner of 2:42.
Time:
4:55
